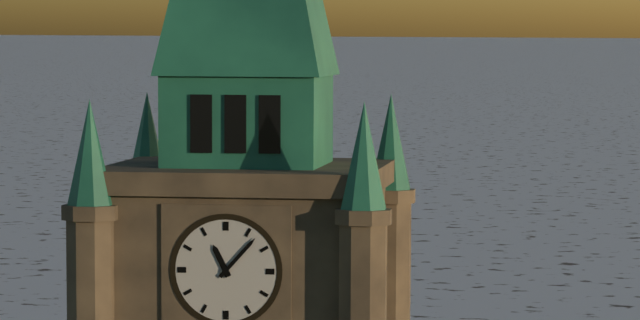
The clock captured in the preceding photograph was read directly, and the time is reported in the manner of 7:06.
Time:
11:07
